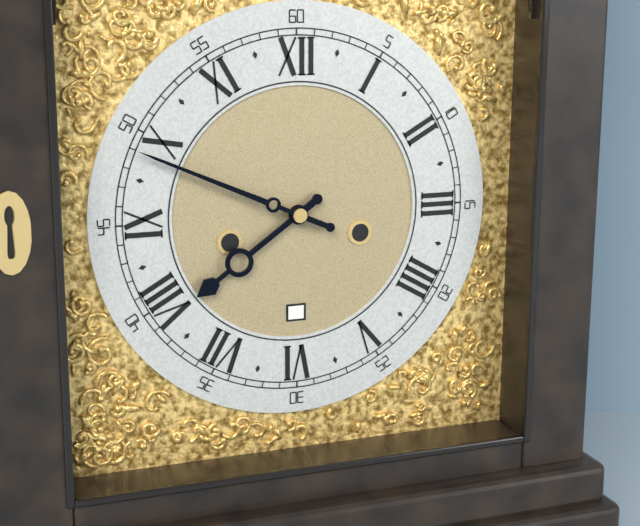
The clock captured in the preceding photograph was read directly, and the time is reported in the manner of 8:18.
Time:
7:49
